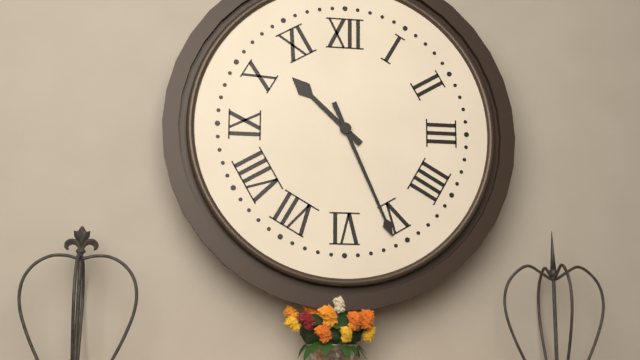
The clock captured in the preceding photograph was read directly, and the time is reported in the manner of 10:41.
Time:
10:26
